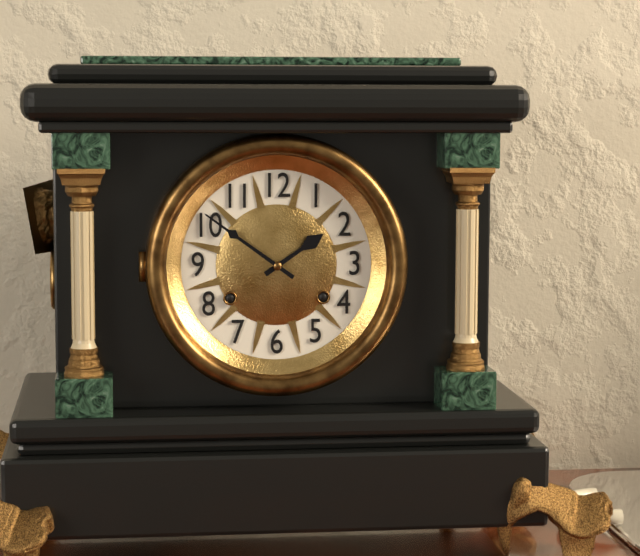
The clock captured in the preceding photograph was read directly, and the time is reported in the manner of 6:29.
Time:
1:51
